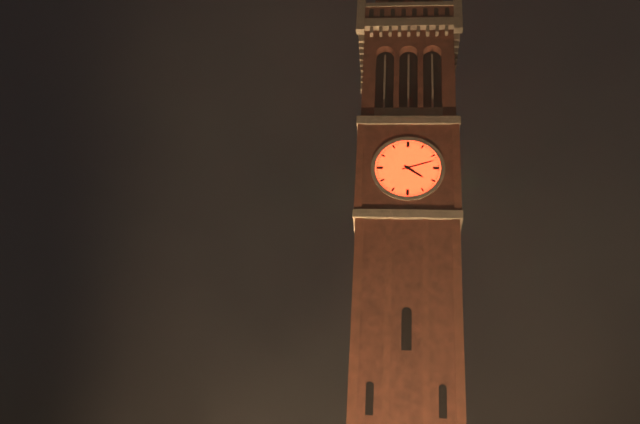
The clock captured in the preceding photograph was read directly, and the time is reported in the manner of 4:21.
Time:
4:12
